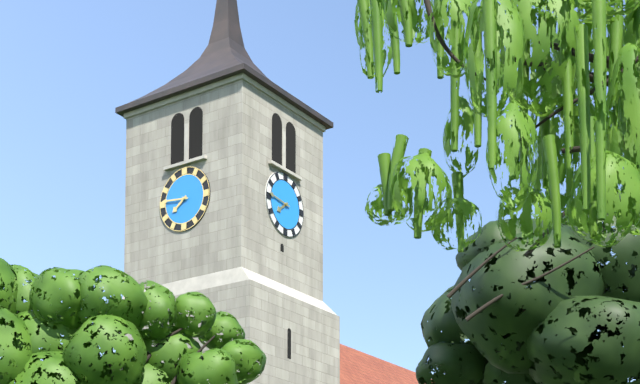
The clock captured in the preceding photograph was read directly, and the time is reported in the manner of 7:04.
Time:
7:46
